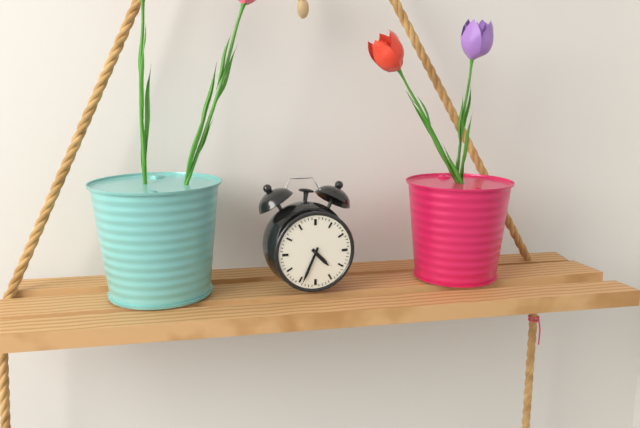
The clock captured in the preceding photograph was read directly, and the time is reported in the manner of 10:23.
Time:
4:34
